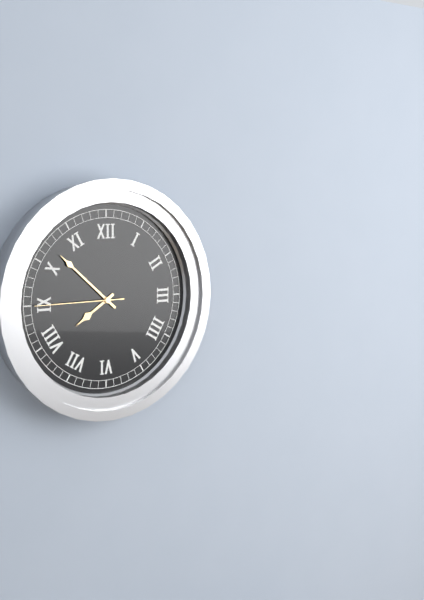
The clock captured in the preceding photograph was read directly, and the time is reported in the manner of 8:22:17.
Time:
7:52:45
